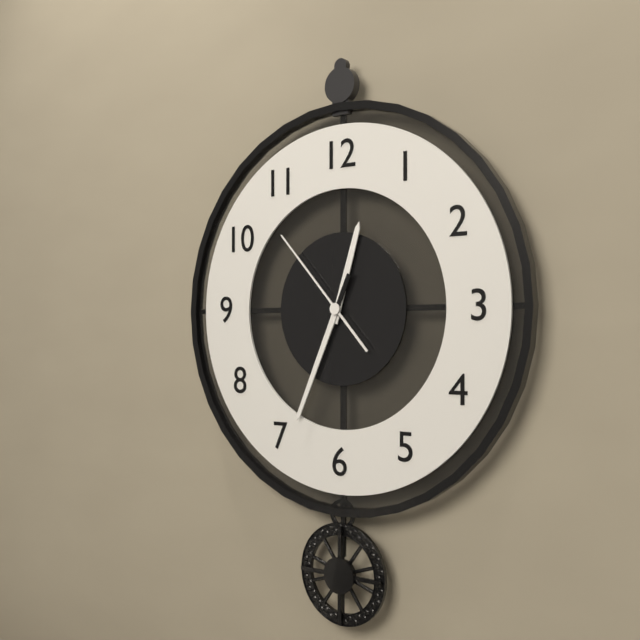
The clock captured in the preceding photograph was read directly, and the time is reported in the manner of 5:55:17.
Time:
12:34:53
